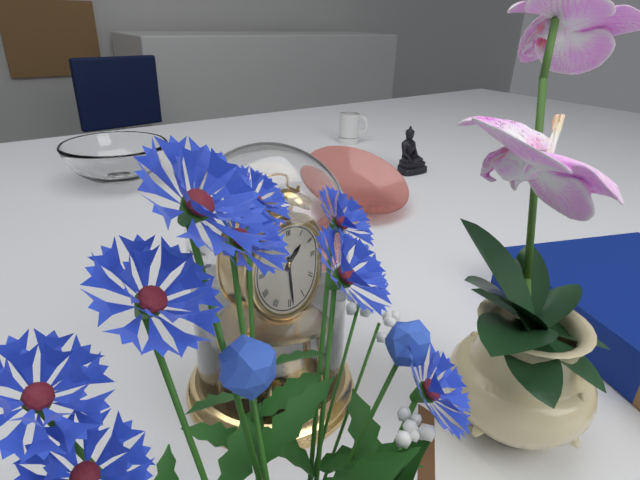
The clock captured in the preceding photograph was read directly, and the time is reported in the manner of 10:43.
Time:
1:29
